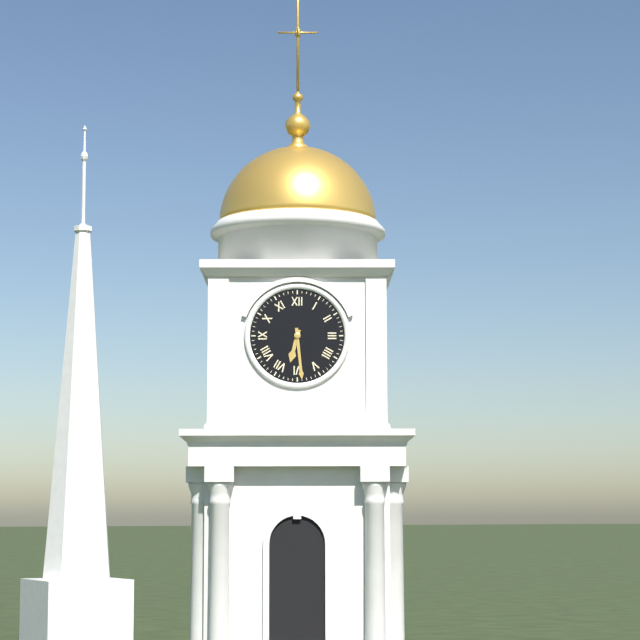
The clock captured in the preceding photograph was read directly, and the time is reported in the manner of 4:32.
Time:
6:29
